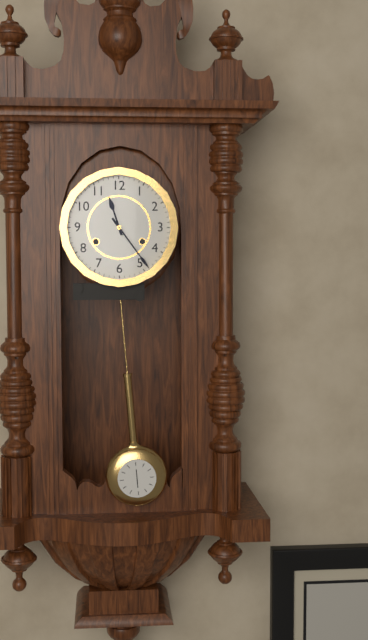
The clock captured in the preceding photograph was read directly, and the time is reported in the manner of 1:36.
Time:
11:24
